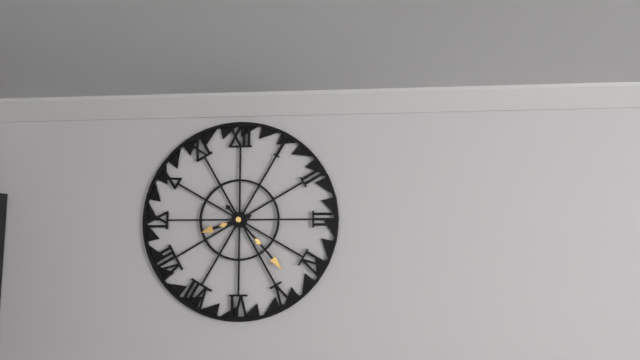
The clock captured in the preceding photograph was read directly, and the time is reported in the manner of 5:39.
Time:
8:23
